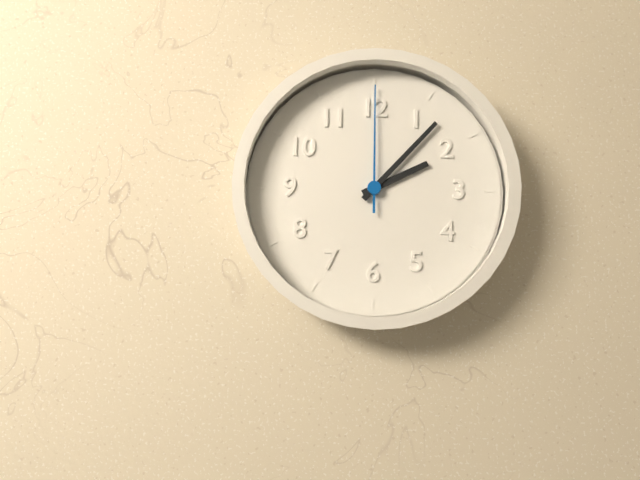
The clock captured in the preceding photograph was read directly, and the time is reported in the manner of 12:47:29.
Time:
2:07:00
